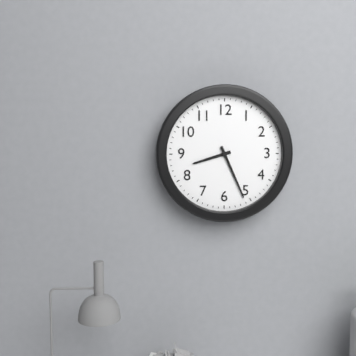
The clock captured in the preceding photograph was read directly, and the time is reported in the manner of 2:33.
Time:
8:26
